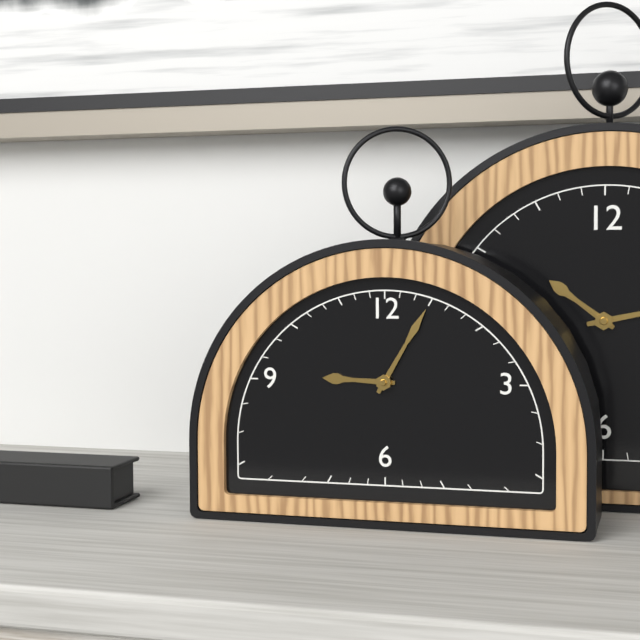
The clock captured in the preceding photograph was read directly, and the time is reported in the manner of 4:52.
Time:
9:05
